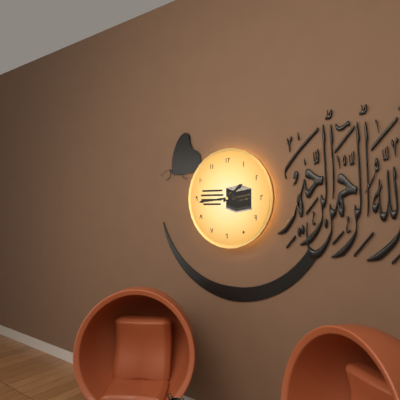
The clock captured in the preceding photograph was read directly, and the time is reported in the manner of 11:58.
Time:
1:44
